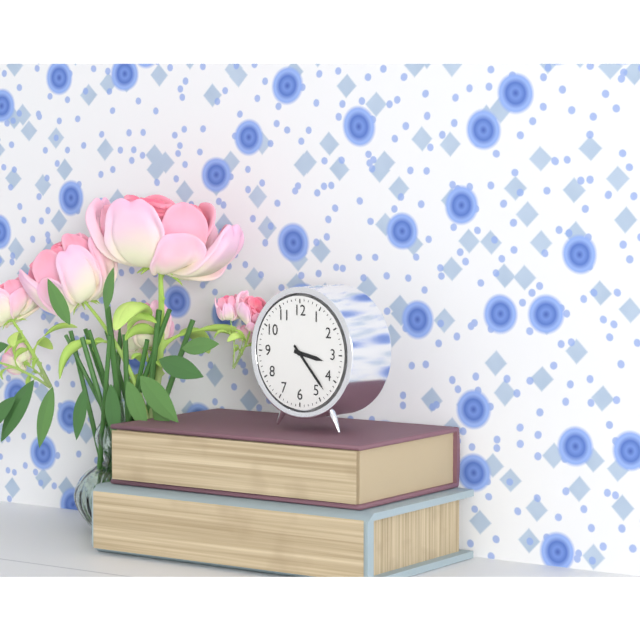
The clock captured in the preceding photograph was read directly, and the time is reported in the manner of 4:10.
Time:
3:23
